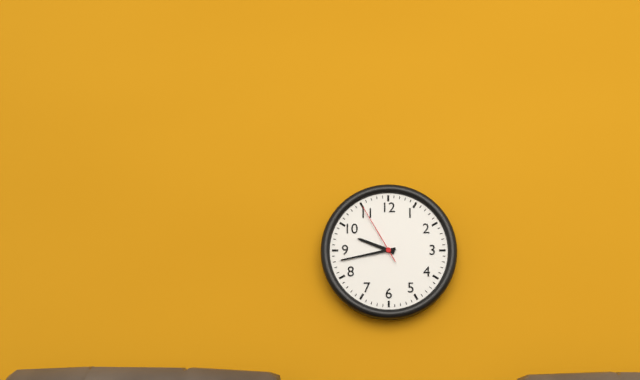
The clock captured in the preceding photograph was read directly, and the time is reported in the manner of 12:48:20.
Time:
9:43:55
